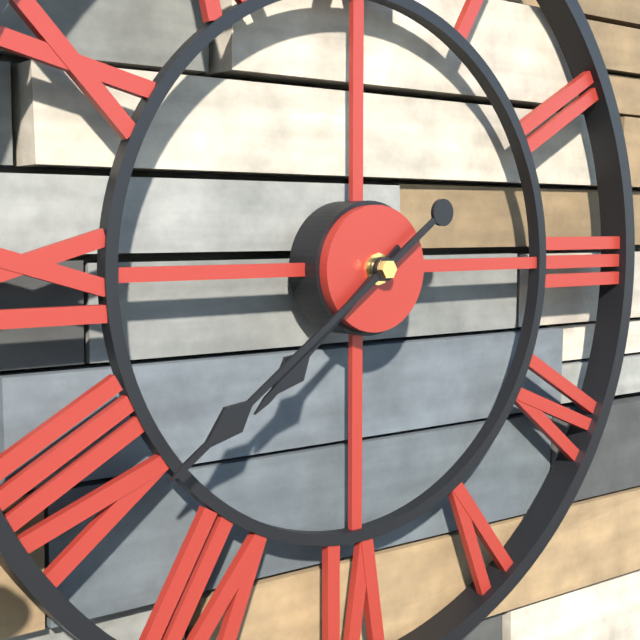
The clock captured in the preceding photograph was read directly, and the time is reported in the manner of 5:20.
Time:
7:39
